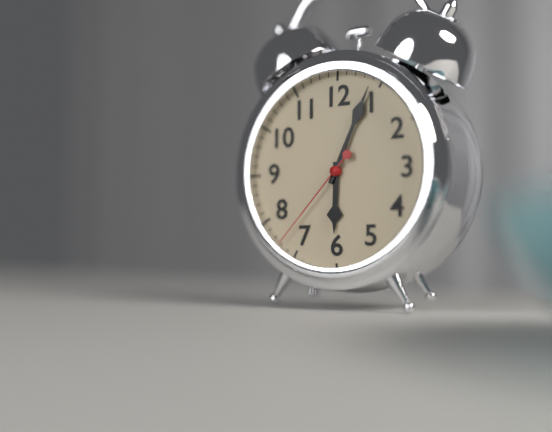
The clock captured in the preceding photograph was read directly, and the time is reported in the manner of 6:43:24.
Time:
6:04:37
